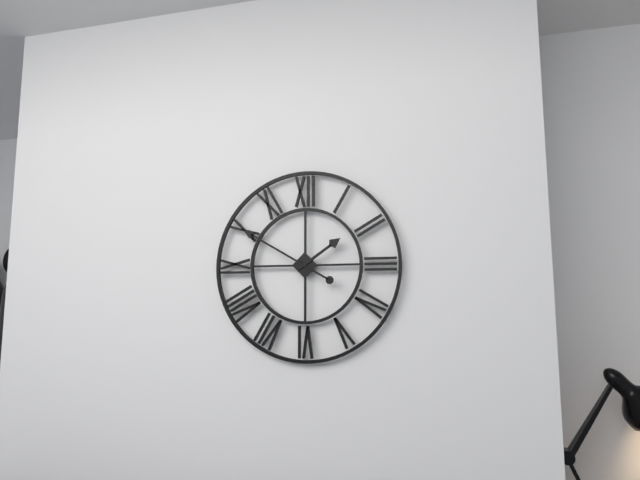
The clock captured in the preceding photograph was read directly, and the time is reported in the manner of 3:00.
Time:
1:50
